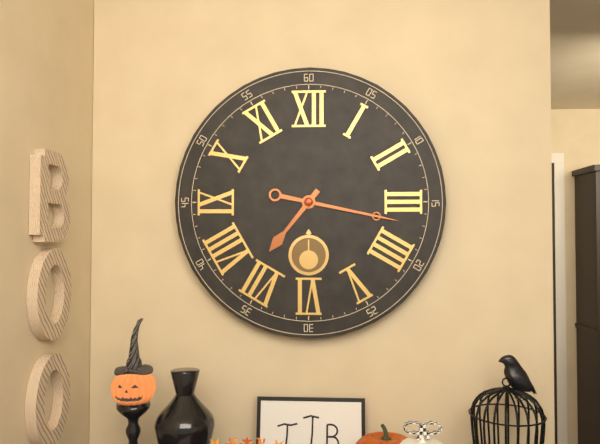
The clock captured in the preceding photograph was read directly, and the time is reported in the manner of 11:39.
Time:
7:17
